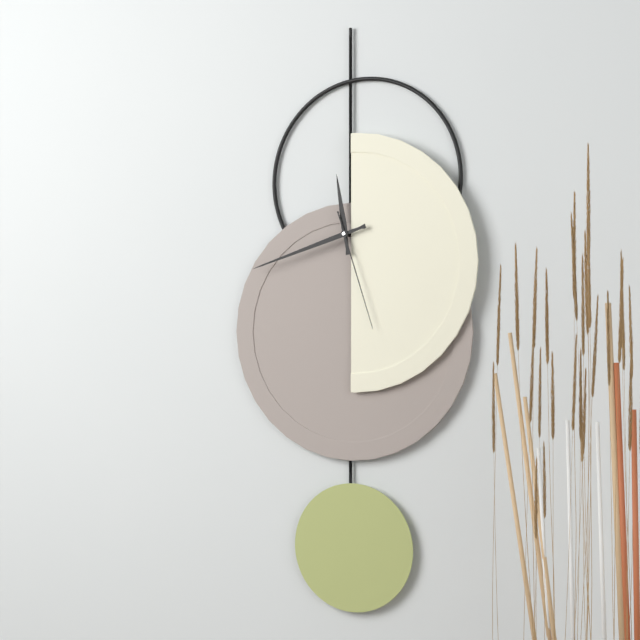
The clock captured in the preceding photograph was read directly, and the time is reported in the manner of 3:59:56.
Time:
11:42:27
